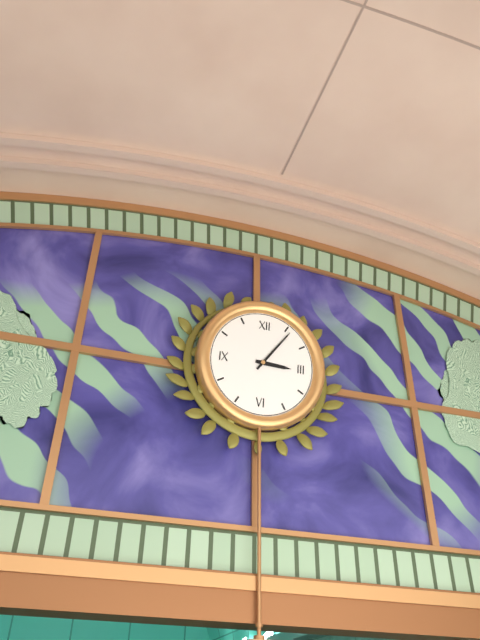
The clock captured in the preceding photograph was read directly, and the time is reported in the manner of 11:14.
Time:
3:06
